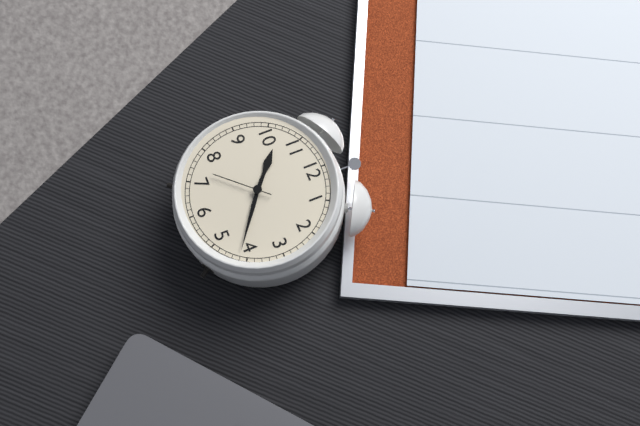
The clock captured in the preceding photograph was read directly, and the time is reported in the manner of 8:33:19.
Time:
10:21:37
